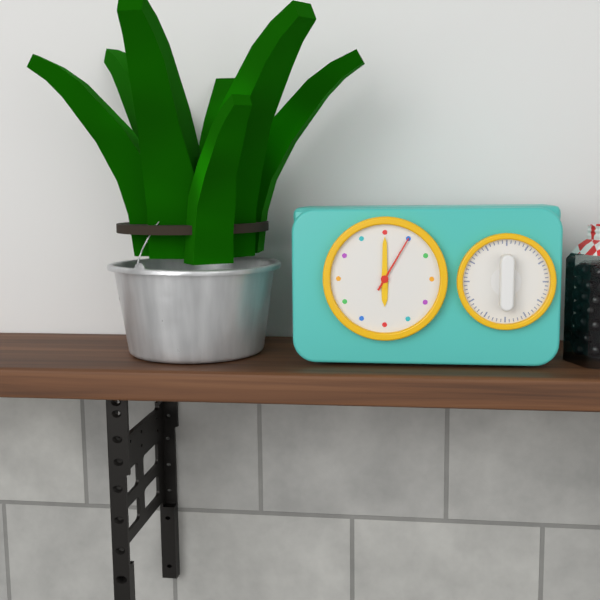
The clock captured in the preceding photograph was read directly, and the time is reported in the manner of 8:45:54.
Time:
6:00:05
